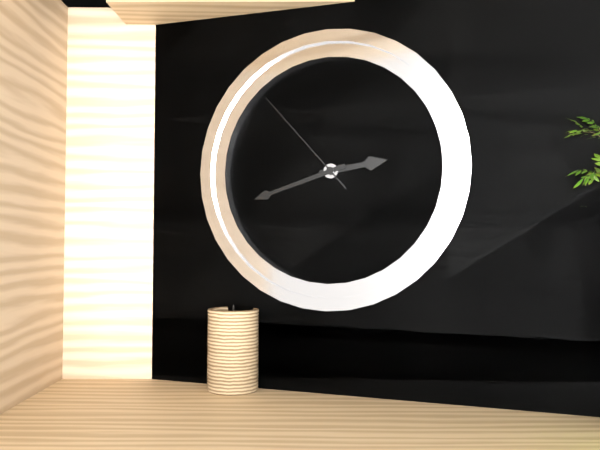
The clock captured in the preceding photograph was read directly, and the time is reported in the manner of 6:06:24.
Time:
2:42:53
